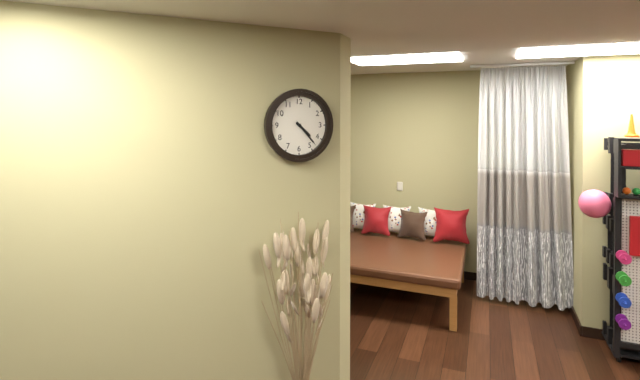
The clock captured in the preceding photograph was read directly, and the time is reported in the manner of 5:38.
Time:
4:23
